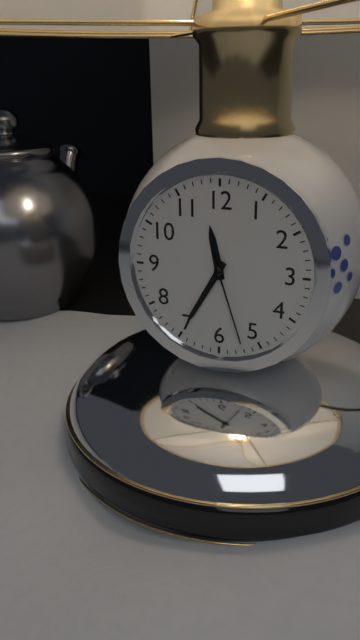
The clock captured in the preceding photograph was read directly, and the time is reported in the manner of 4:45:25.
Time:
11:35:27
